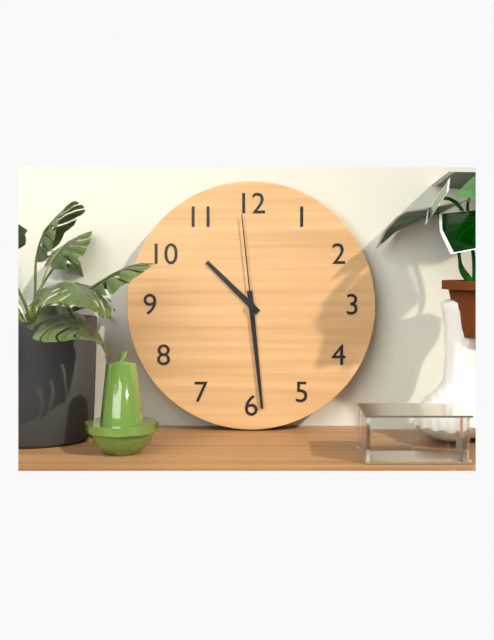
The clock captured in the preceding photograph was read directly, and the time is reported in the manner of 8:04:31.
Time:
10:29:59
